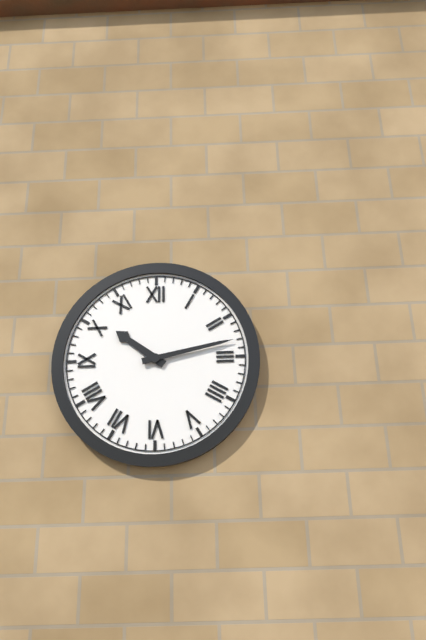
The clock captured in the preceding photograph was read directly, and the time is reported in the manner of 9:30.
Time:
10:13
